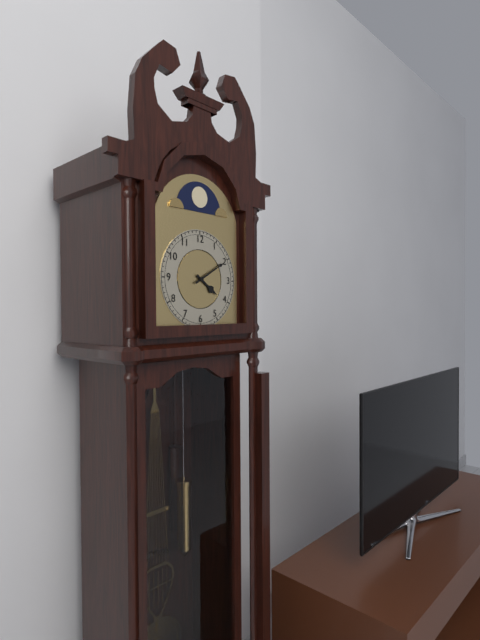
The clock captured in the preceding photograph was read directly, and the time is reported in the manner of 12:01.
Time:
4:10
